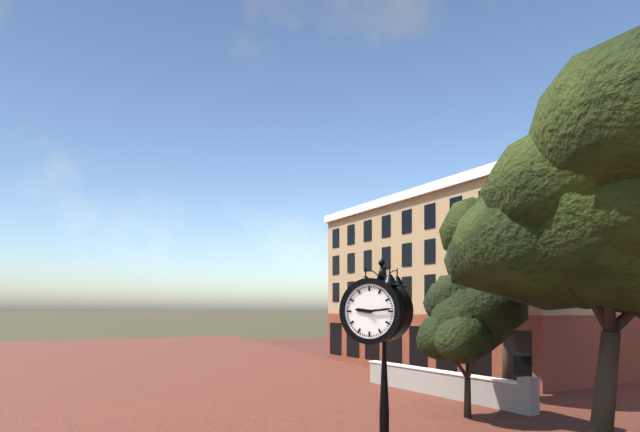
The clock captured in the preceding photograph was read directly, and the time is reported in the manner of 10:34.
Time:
9:14
